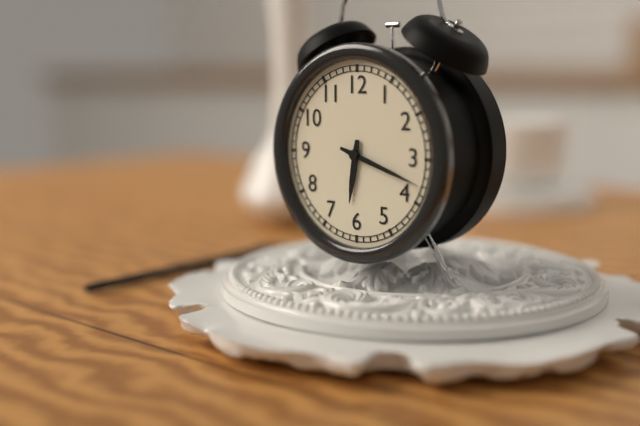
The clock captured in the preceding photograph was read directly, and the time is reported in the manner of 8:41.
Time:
6:18
